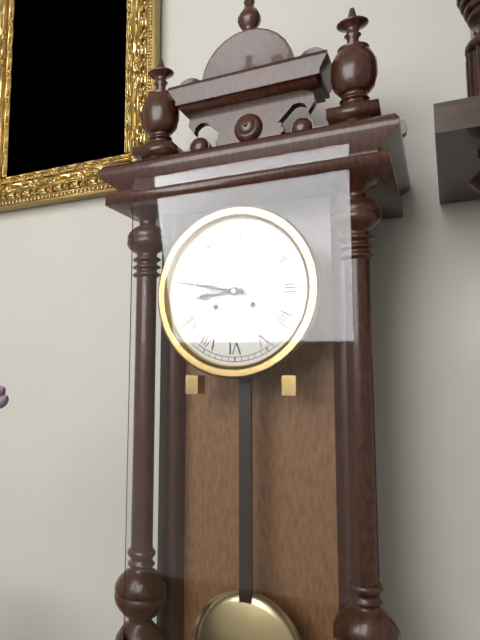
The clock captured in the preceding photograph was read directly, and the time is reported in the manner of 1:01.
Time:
8:47
